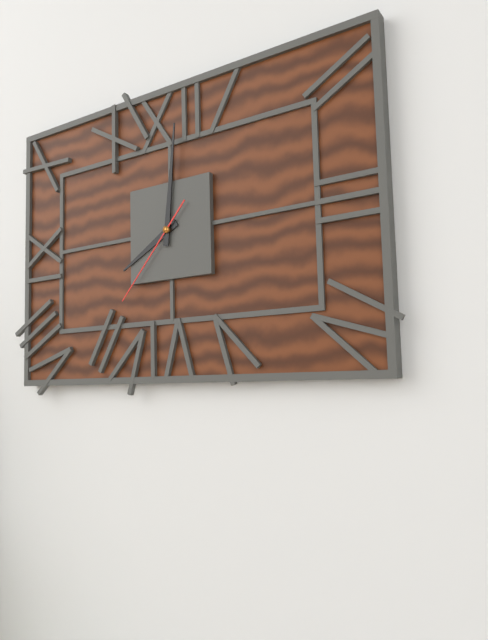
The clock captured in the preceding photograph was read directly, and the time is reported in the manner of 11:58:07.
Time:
8:01:37
